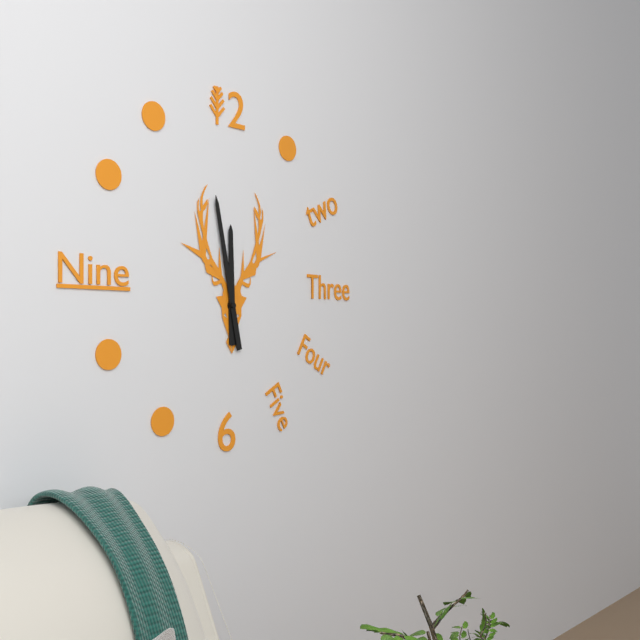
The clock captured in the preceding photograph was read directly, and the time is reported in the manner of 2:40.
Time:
11:58
